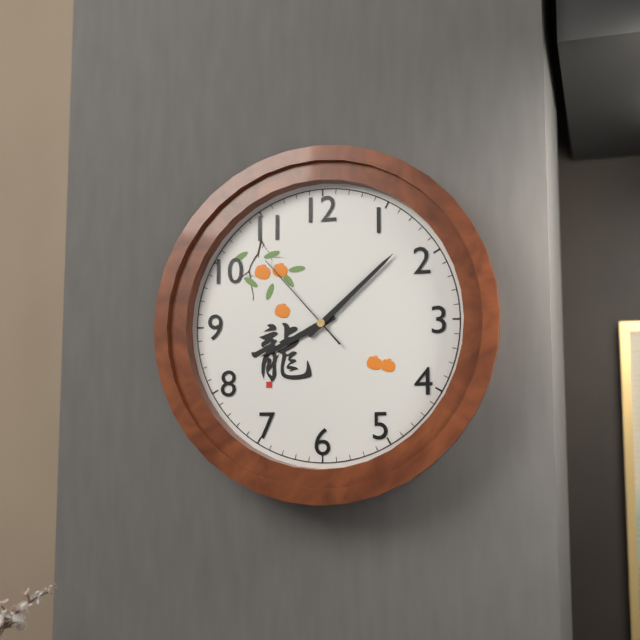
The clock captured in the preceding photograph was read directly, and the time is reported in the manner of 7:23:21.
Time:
8:08:53
